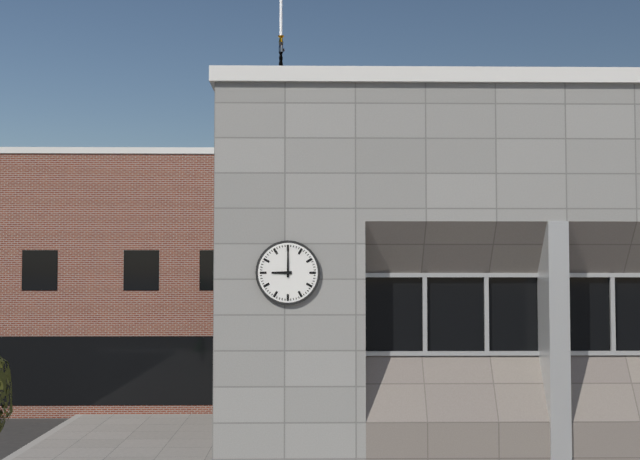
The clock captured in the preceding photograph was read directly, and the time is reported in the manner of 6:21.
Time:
9:00
